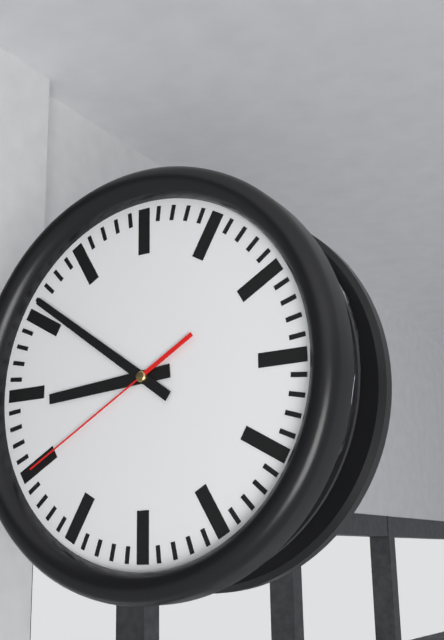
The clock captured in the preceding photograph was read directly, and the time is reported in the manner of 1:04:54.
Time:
8:51:40
